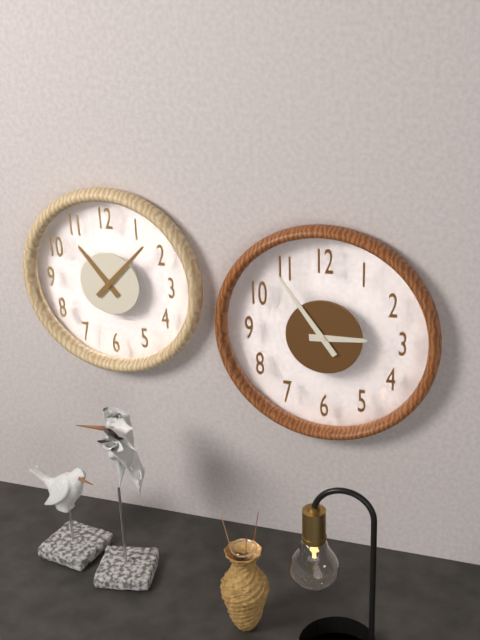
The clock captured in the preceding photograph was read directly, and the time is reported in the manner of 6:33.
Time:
2:54
